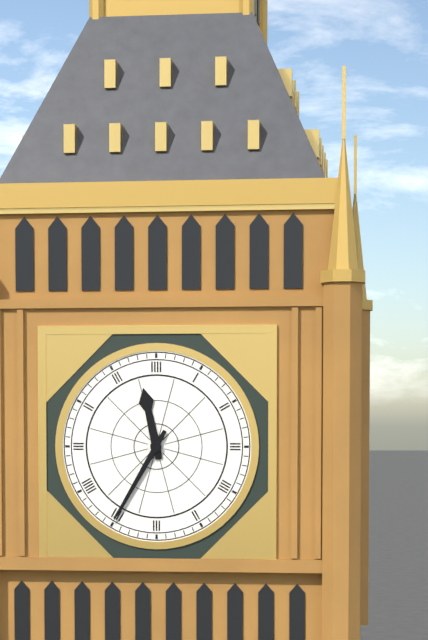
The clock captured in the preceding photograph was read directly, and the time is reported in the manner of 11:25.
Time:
11:35
